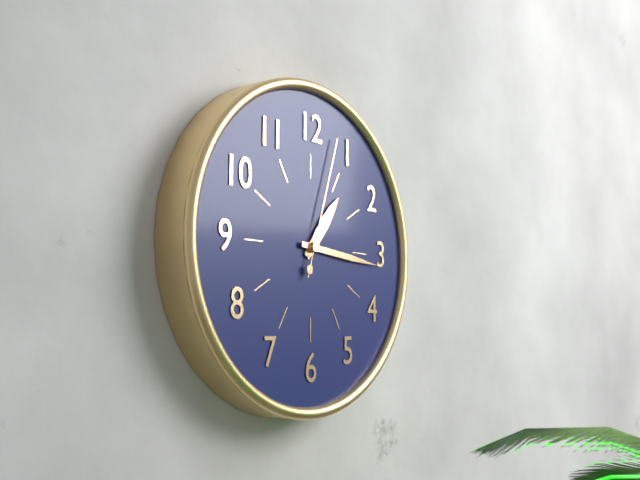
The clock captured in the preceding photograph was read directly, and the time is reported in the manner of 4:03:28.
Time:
1:16:03
